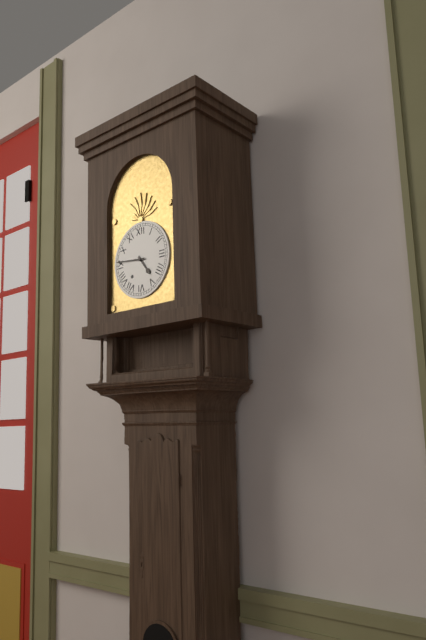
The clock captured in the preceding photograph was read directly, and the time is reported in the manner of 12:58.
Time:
4:46
